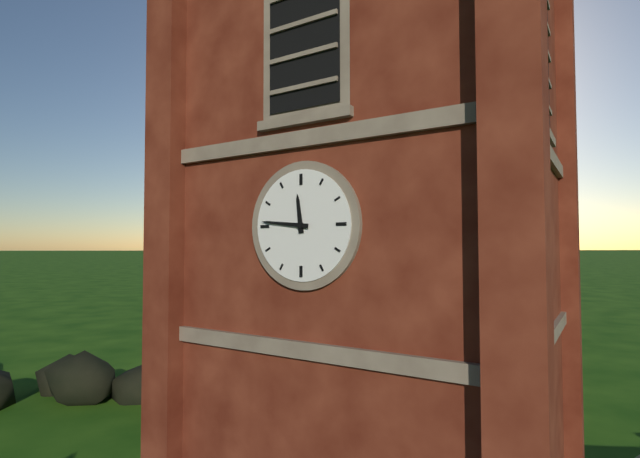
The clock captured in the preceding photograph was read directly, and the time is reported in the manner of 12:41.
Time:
11:46
